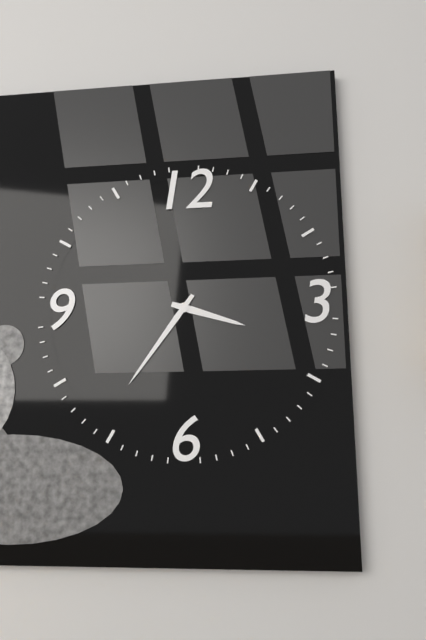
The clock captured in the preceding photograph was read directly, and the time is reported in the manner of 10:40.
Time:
3:36
